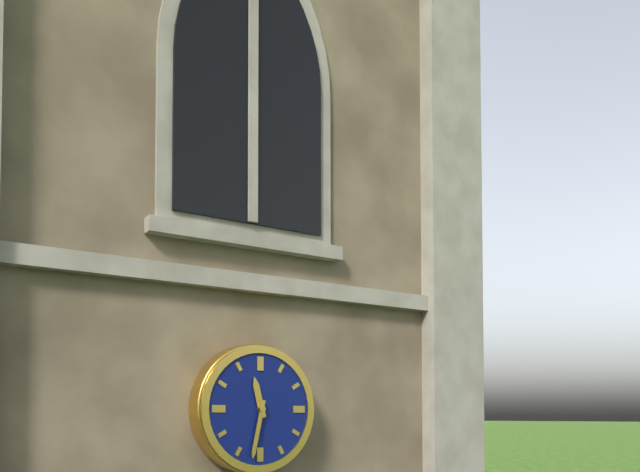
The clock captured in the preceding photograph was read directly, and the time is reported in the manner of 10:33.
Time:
11:32
